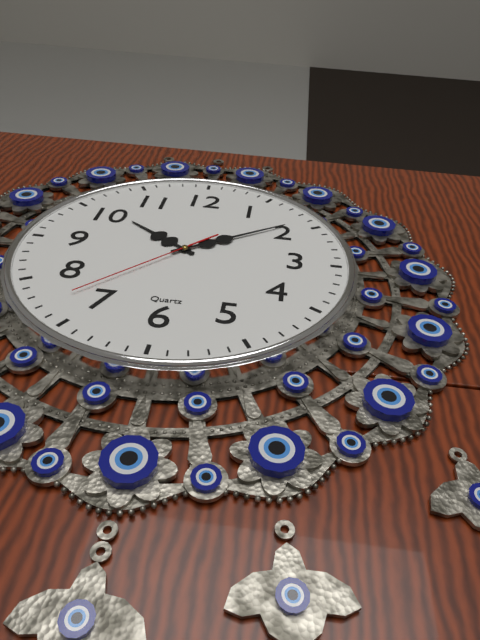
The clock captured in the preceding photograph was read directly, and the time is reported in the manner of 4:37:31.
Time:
10:09:37
